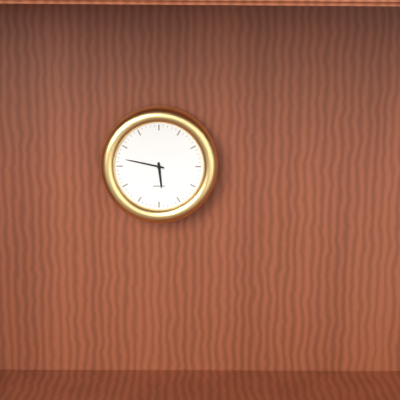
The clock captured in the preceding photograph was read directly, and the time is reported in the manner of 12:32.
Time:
5:47
